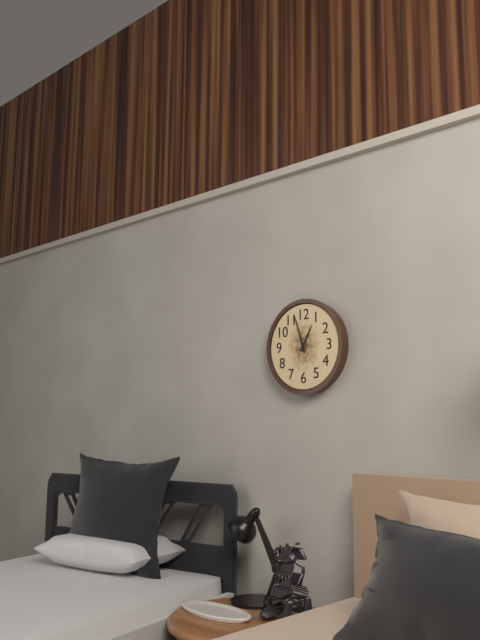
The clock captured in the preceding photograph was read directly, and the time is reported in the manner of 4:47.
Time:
12:57
